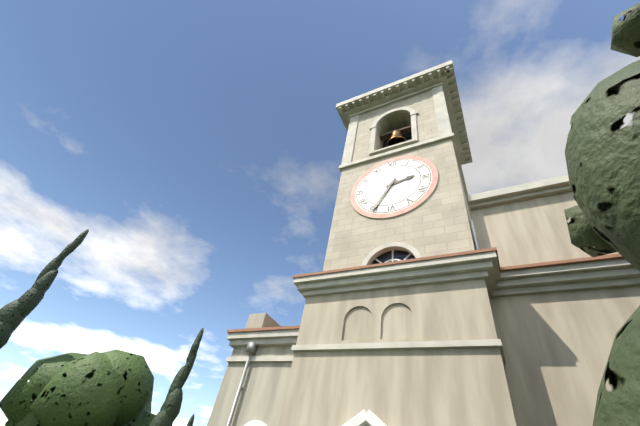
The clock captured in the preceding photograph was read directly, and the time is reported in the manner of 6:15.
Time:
2:35
